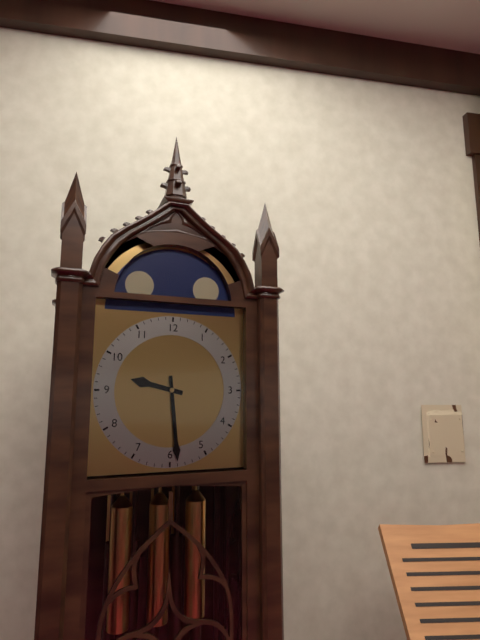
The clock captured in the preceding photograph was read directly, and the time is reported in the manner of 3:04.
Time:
9:29
